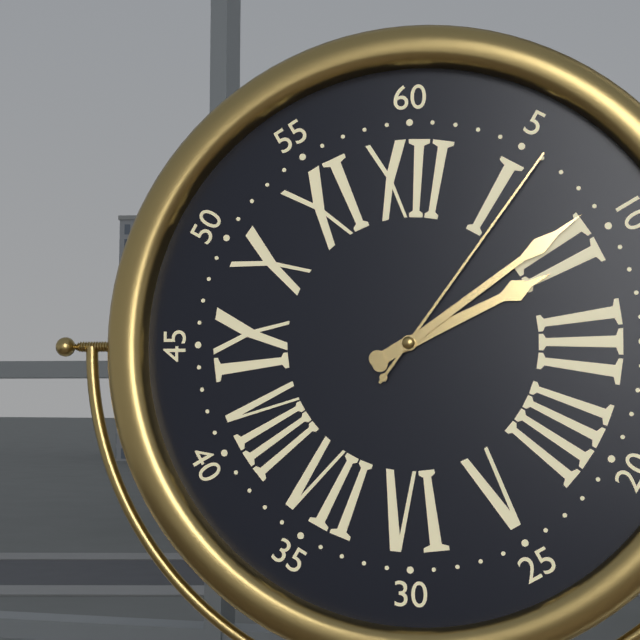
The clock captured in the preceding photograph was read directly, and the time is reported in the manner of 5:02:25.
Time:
2:09:06
